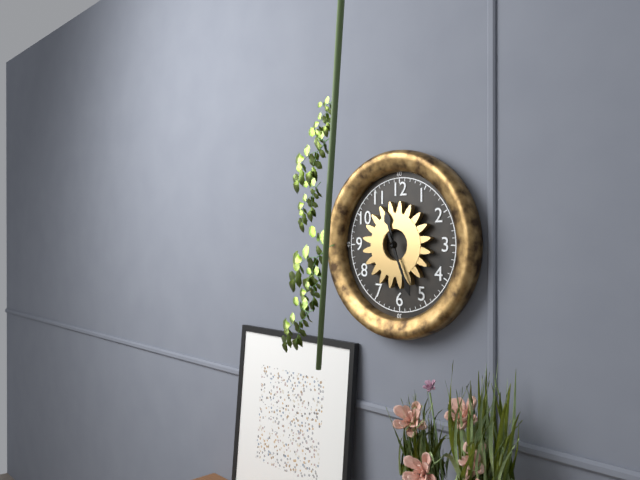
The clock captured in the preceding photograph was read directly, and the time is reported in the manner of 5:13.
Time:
11:26
